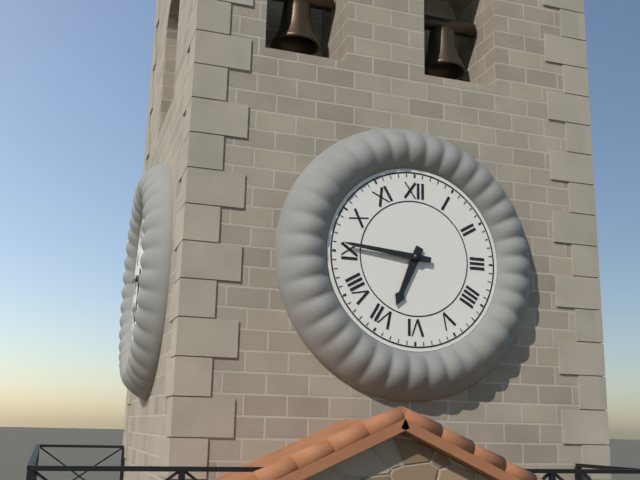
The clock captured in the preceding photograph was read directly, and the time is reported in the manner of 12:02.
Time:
6:46
